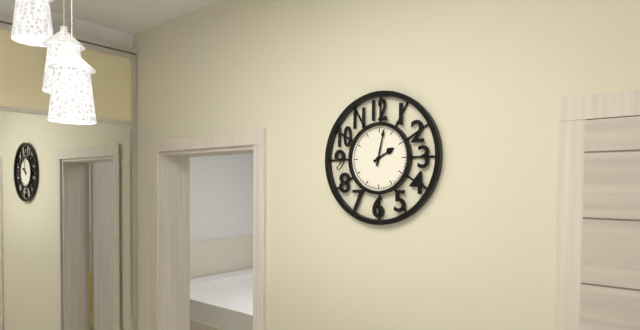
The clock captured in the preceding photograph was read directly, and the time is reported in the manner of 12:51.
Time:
2:02
